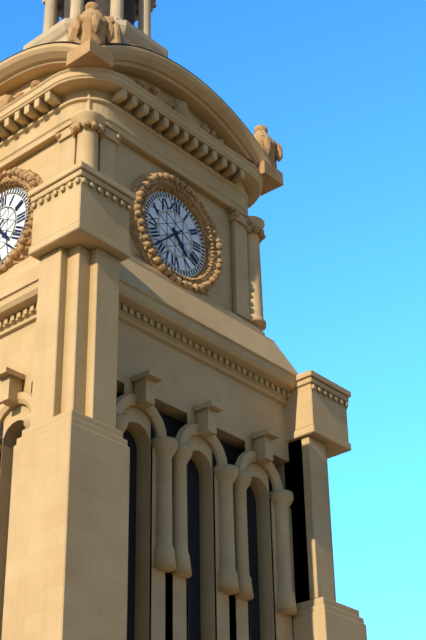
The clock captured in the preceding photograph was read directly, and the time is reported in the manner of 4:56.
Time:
4:38
